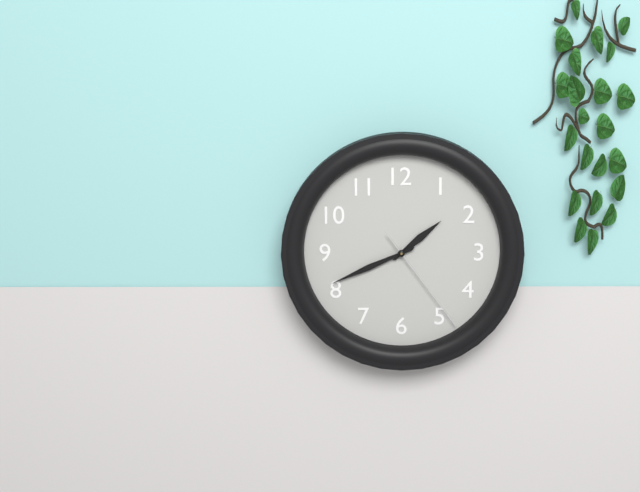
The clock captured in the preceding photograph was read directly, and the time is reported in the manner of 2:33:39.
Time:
1:41:24
